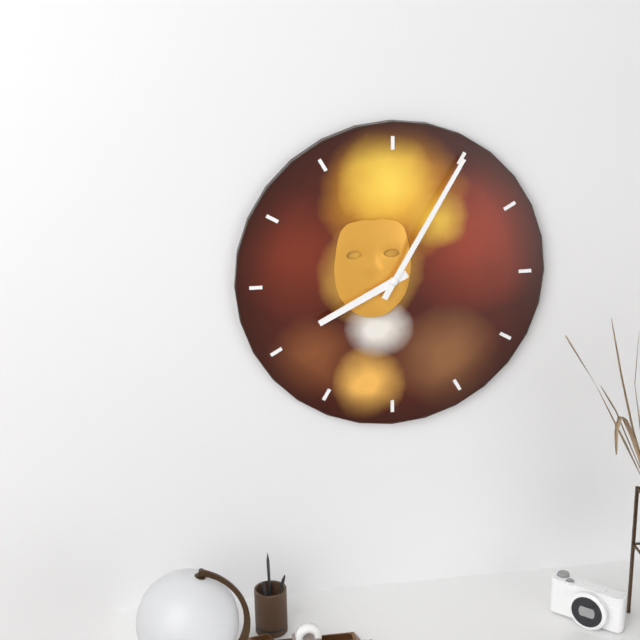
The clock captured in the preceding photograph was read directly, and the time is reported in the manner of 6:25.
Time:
8:05
